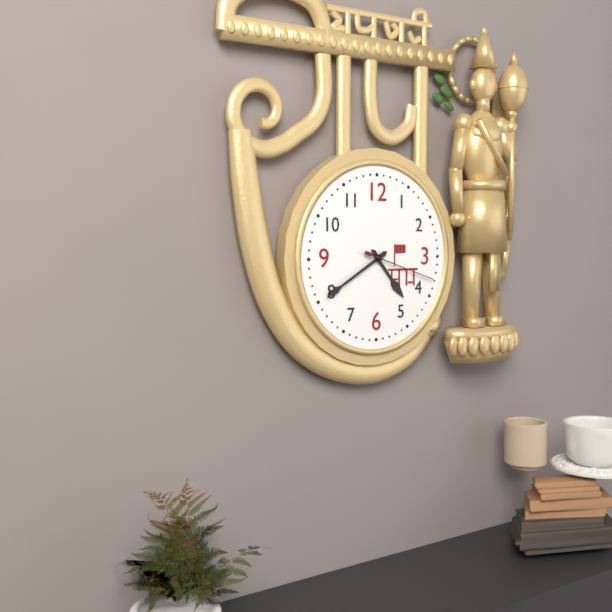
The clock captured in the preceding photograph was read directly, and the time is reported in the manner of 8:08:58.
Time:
4:40:18
